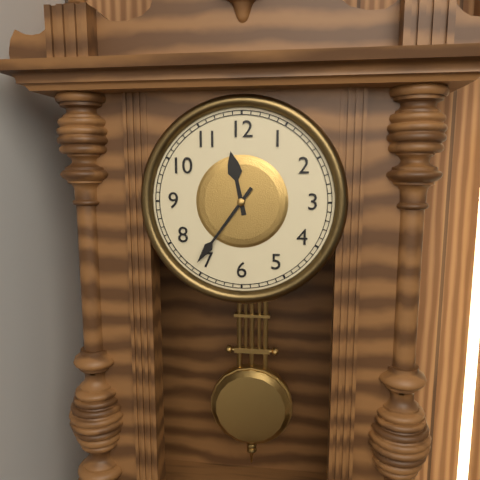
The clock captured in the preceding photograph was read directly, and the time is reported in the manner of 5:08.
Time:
11:36
